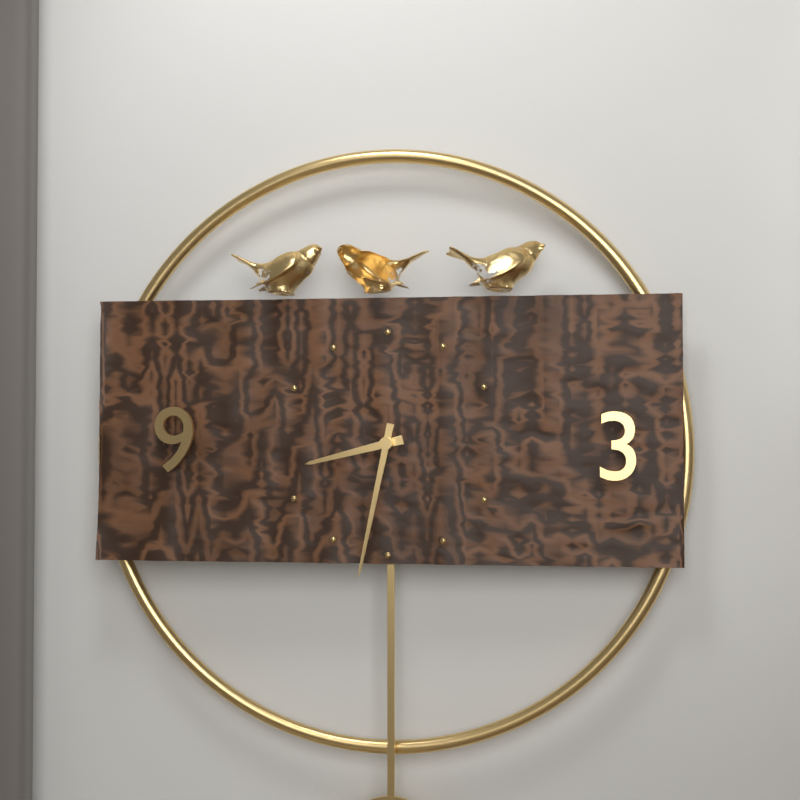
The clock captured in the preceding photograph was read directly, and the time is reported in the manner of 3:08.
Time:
8:32
